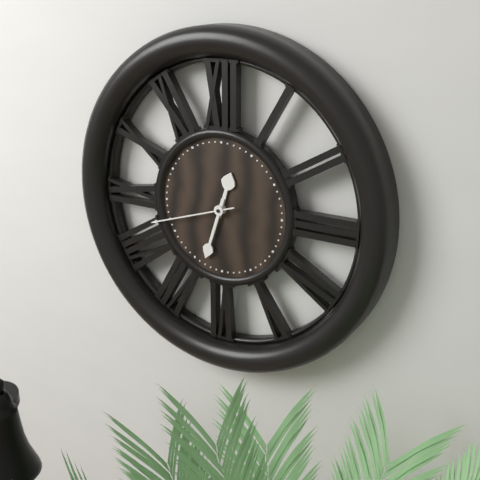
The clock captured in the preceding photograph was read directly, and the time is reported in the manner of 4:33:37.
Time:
12:33:42
